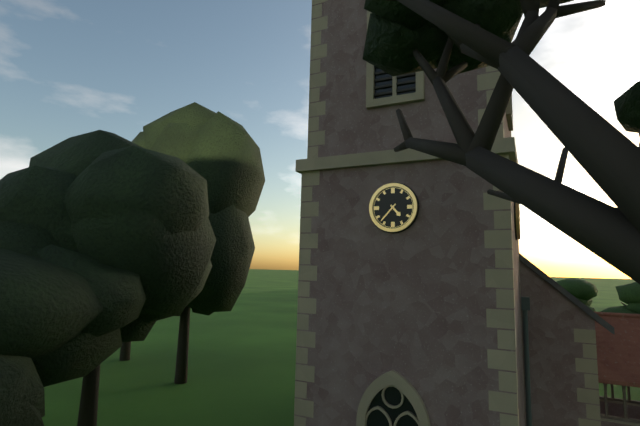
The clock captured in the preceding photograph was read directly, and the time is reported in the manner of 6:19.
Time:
4:37
